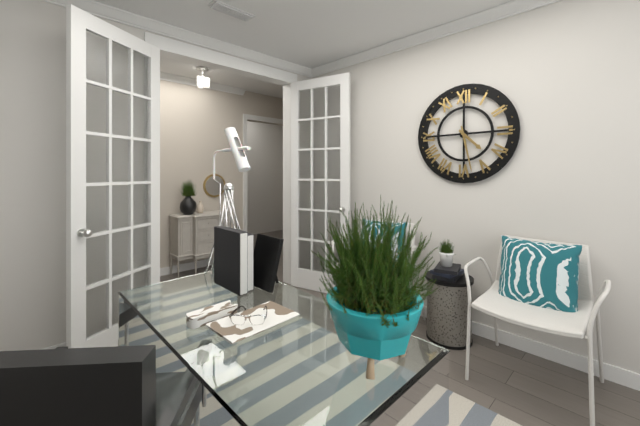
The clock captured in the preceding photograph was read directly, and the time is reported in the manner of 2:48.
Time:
4:28
